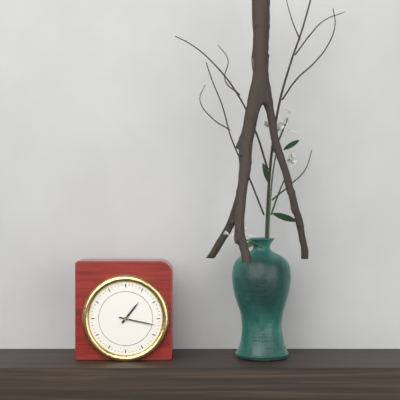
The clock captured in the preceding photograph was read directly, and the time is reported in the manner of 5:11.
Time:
1:17
